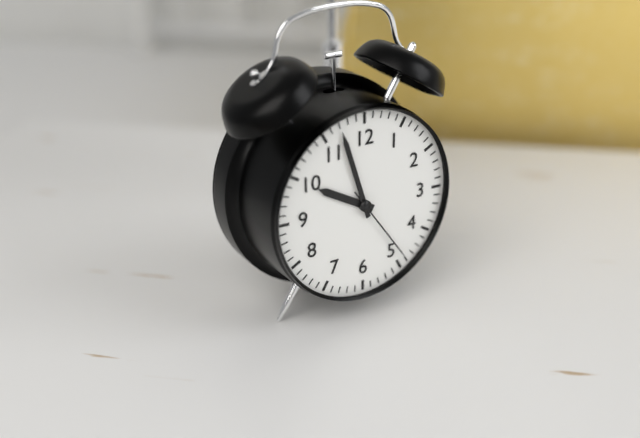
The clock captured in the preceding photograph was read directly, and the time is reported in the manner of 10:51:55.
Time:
9:57:24
